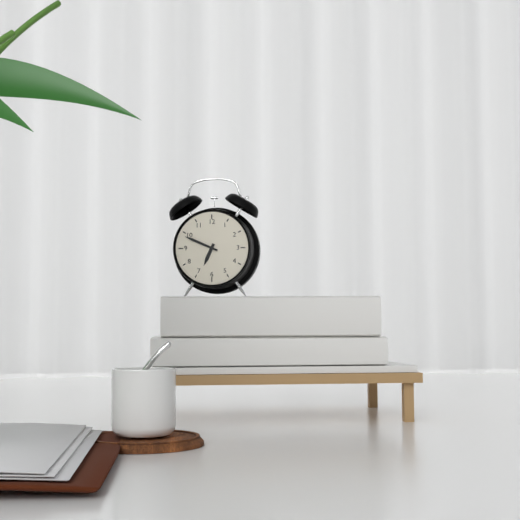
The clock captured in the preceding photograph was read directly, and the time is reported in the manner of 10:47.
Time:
6:49
